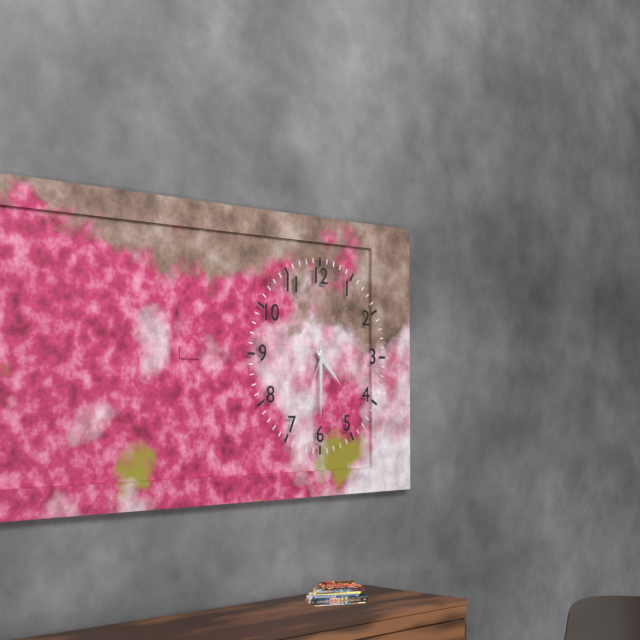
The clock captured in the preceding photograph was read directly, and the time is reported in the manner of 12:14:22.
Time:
4:30:34
